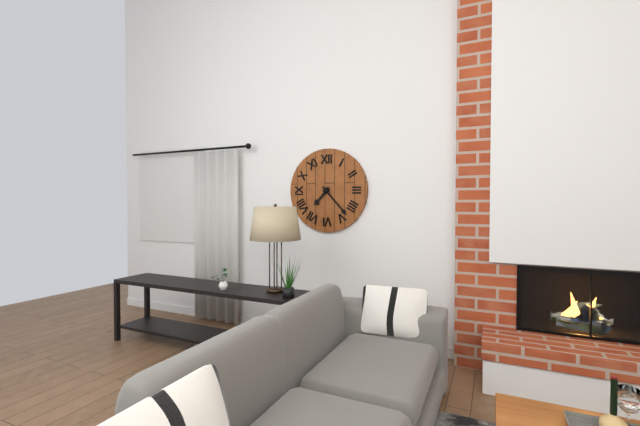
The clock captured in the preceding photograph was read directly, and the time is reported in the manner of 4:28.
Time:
7:23
